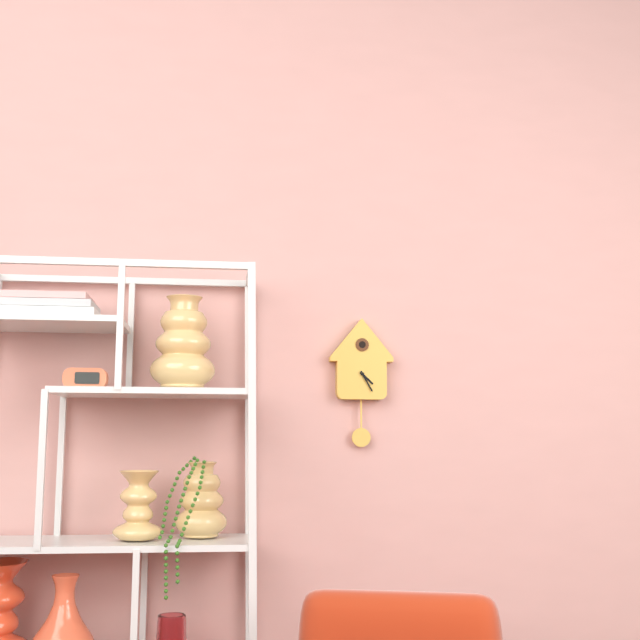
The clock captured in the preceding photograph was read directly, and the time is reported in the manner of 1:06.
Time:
4:25
